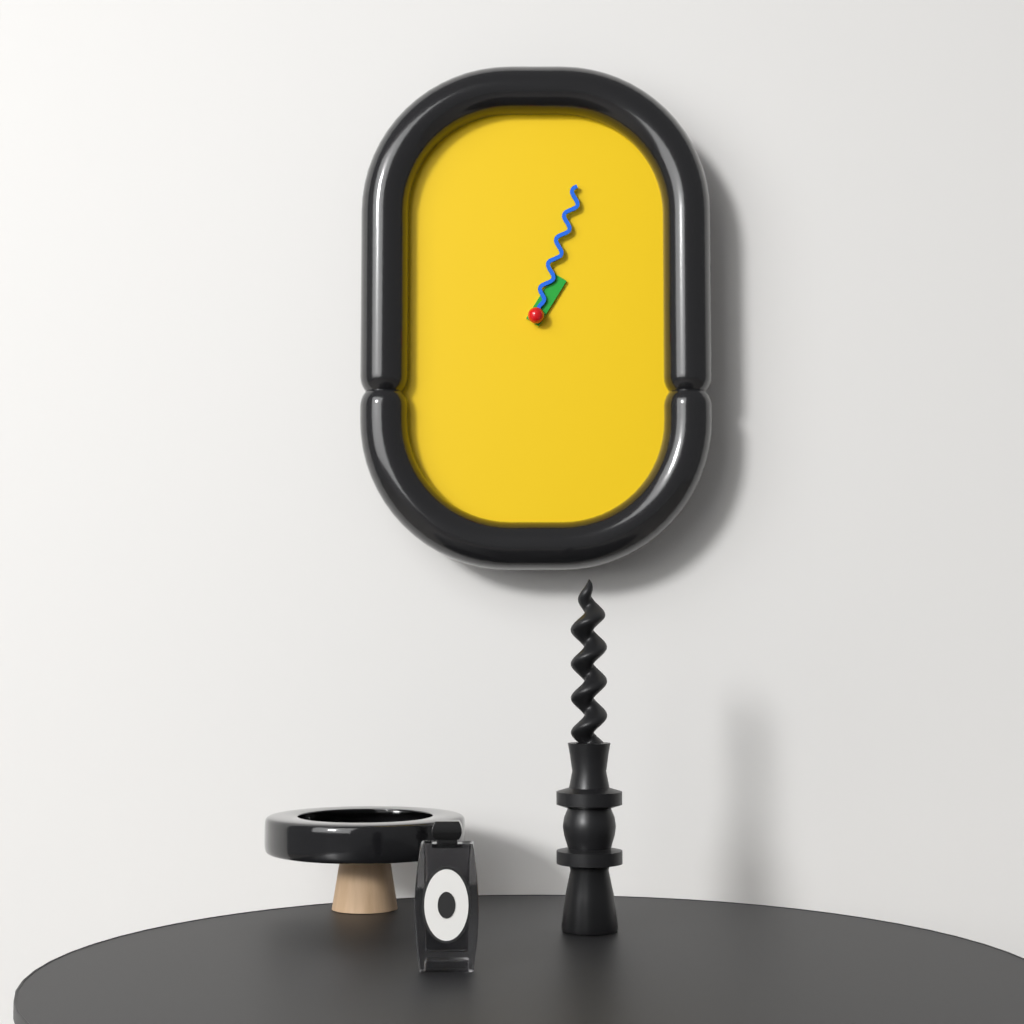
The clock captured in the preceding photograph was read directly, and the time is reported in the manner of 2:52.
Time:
1:03
